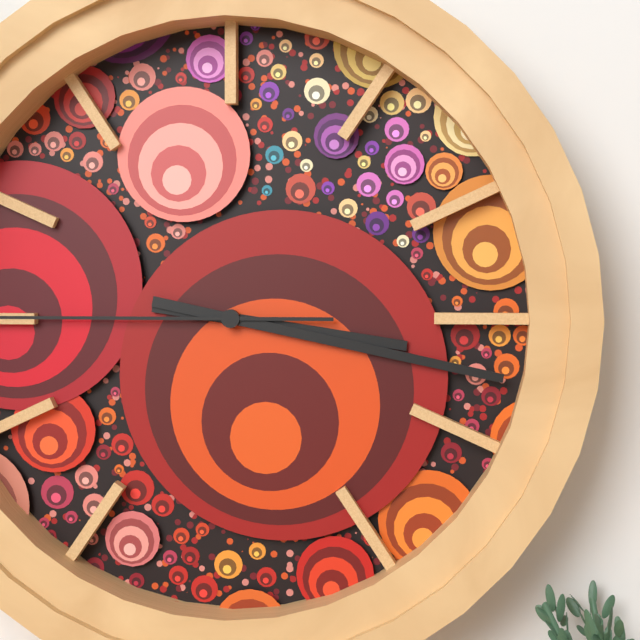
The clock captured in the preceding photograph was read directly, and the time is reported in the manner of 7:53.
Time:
3:17
